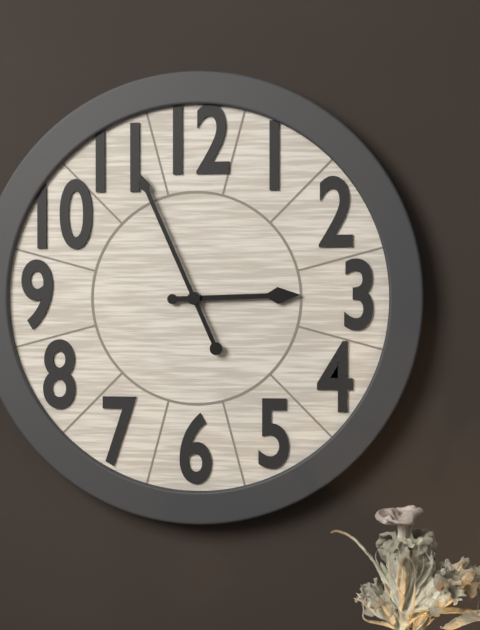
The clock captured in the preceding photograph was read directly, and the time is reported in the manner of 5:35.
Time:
2:56
